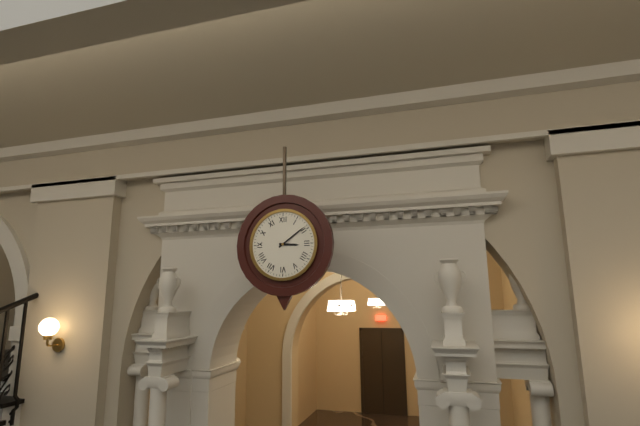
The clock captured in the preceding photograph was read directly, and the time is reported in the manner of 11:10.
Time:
3:09
